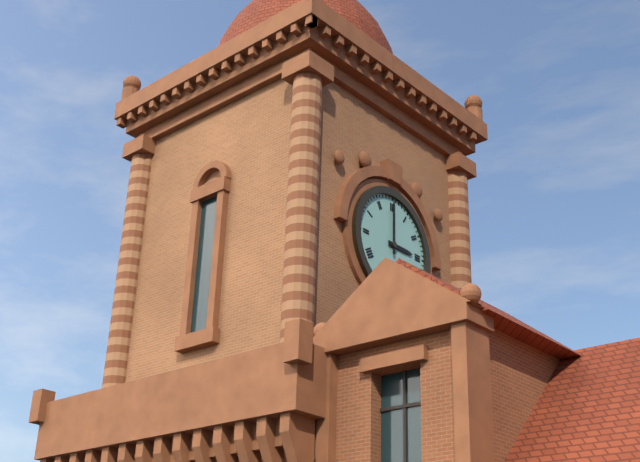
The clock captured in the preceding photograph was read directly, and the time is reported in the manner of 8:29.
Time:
3:00
